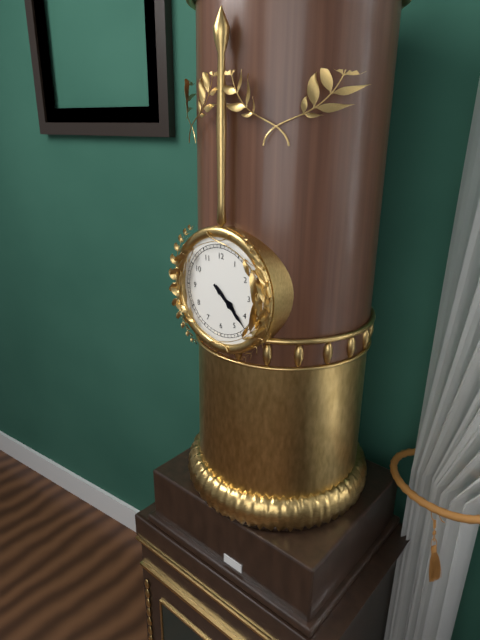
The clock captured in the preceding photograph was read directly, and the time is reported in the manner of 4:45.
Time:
4:22
